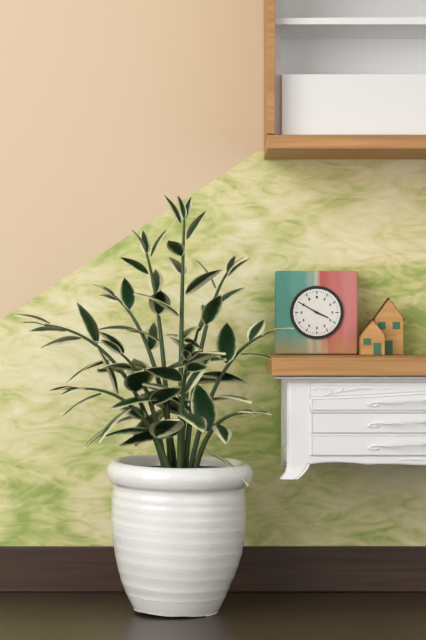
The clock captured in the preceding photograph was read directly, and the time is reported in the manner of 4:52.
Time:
3:50
